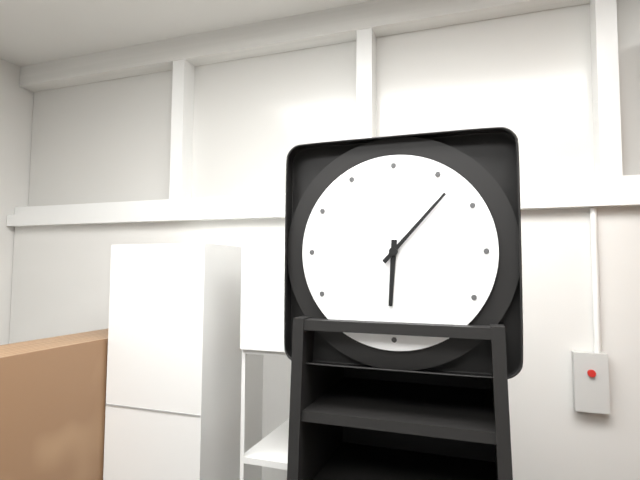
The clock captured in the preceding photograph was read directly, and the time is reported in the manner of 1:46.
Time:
6:07
